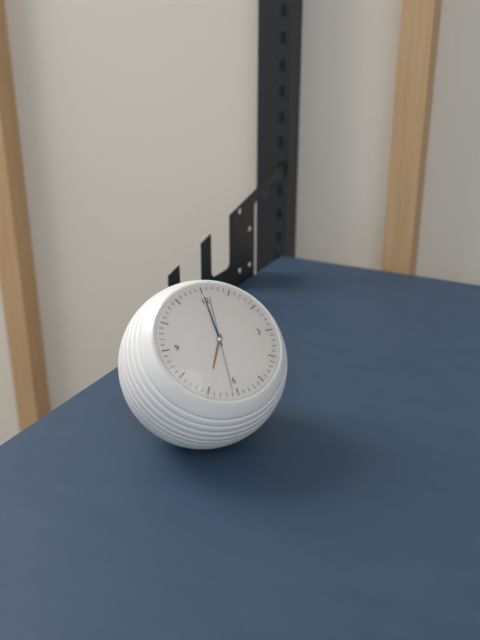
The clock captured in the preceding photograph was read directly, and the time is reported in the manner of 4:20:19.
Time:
7:00:31
